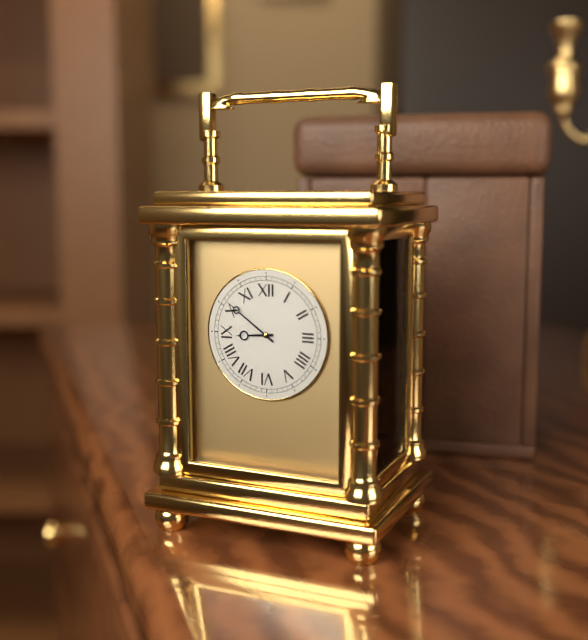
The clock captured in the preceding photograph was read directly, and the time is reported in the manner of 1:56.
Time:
8:51
